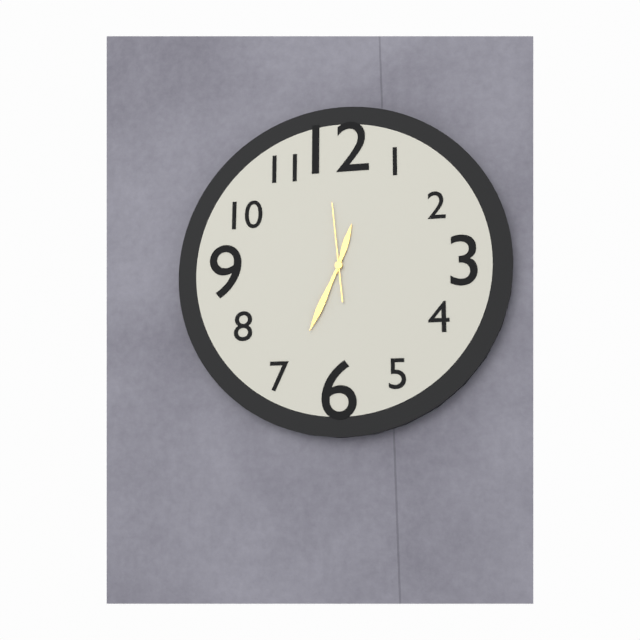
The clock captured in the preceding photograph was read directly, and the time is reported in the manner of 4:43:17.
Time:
12:34:59
